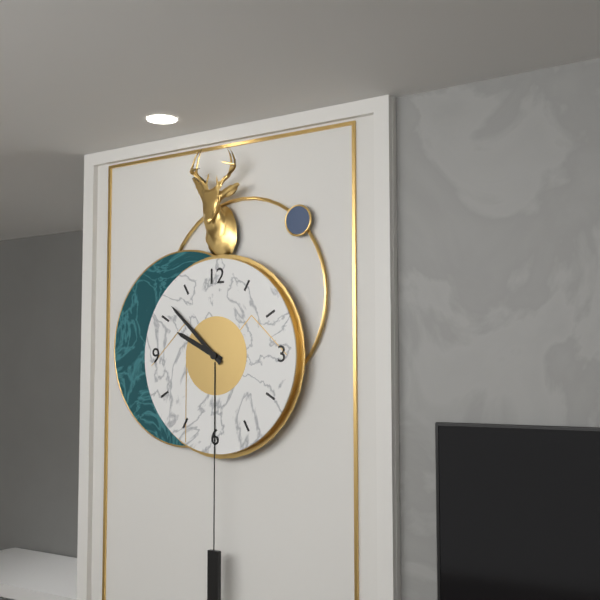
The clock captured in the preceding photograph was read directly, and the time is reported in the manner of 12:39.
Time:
9:52
